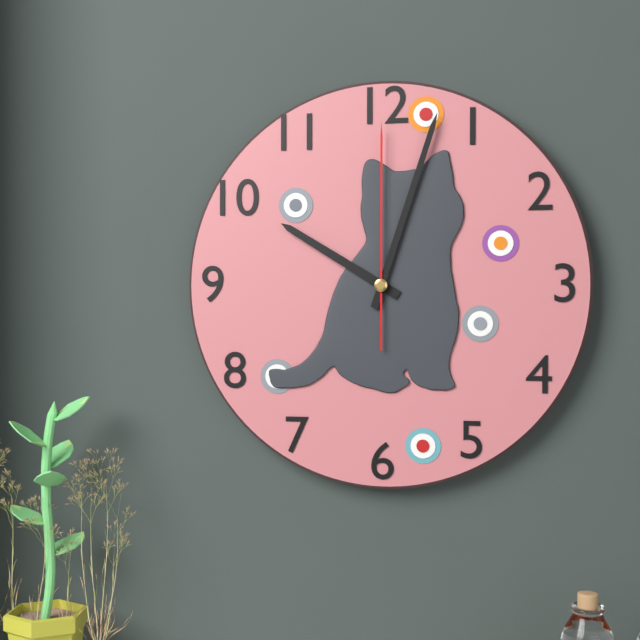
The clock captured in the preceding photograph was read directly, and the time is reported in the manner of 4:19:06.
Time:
10:03:00
